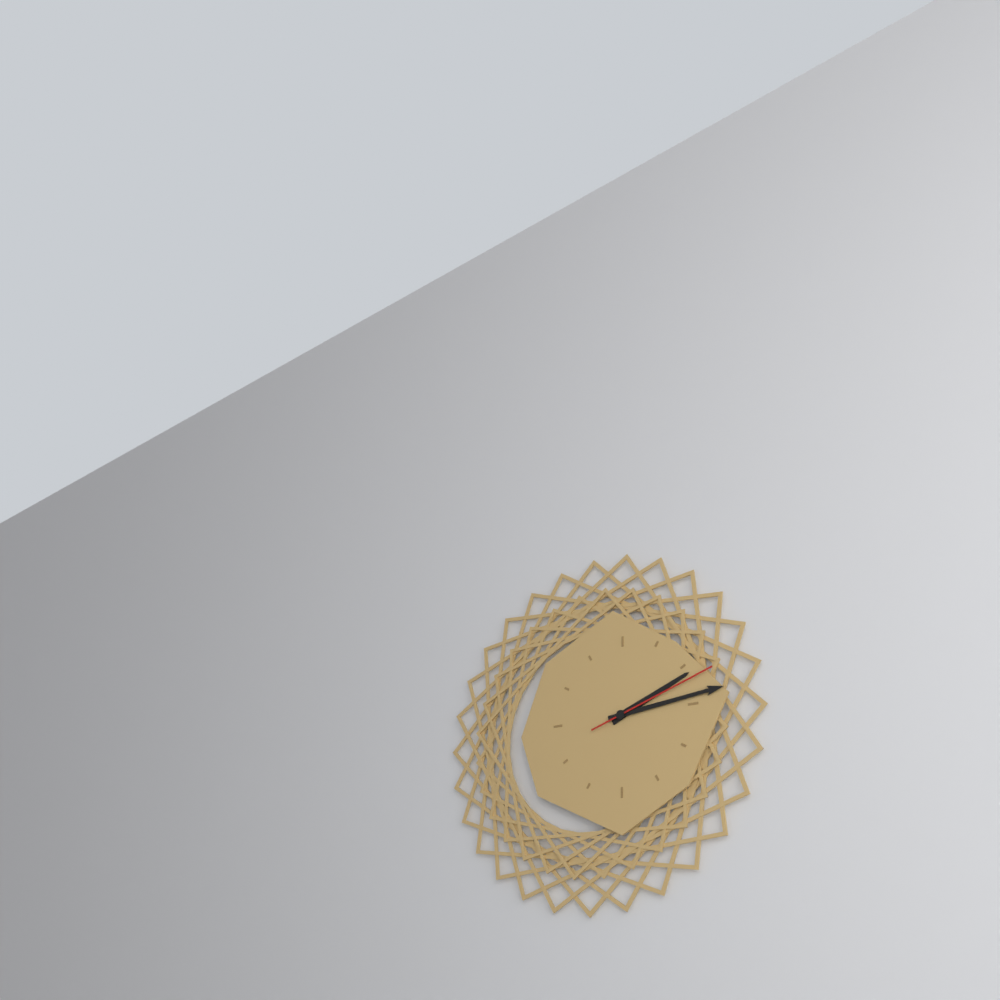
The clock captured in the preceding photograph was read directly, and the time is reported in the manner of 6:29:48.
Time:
2:14:12
